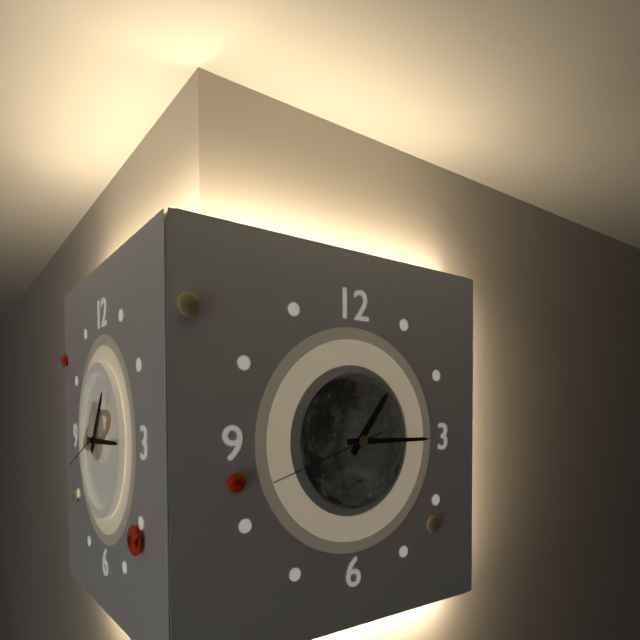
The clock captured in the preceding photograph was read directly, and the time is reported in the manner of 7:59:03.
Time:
1:15:42
